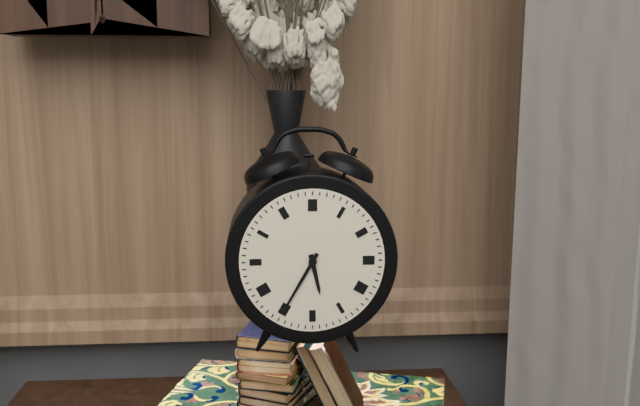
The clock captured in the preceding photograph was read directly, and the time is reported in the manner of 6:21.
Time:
5:35
